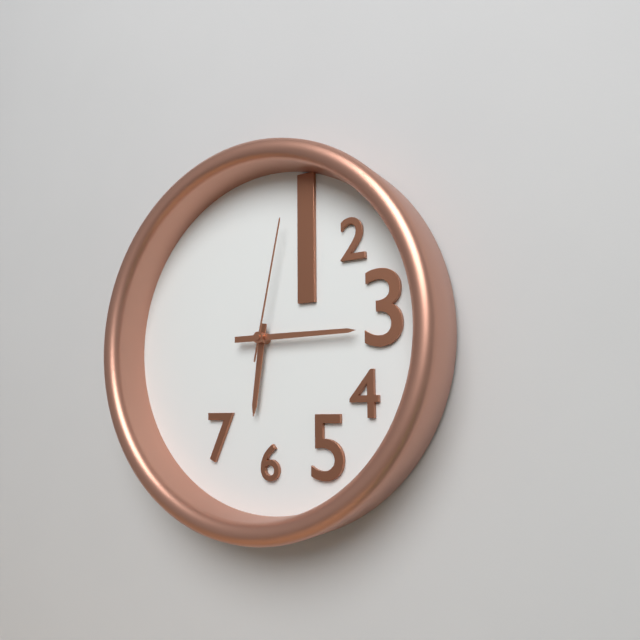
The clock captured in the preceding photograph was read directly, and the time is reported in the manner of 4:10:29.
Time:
6:15:02
